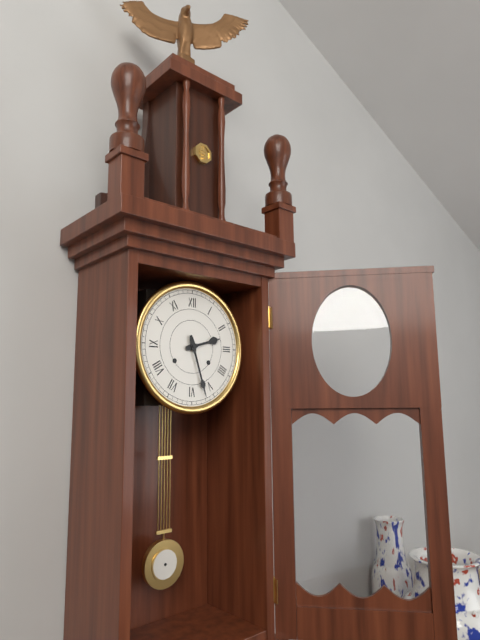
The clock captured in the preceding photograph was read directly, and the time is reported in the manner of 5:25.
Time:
2:27
